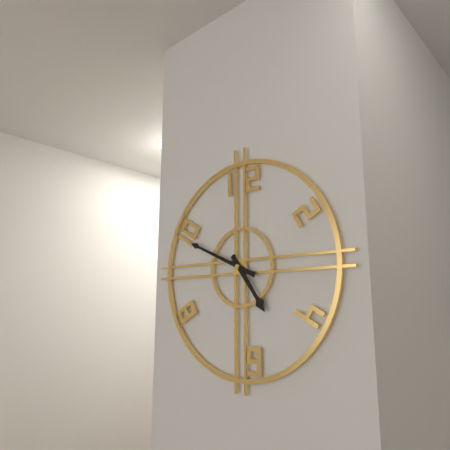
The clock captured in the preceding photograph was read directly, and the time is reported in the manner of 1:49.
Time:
4:49
